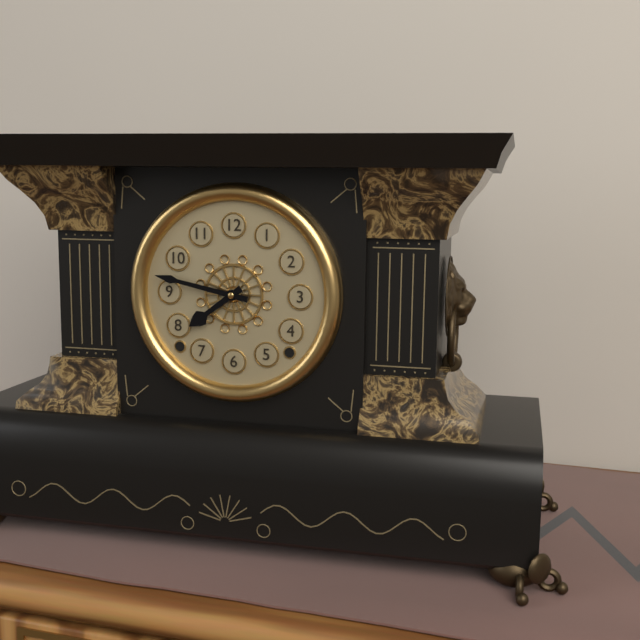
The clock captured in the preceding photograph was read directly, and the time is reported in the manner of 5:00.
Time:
7:47
